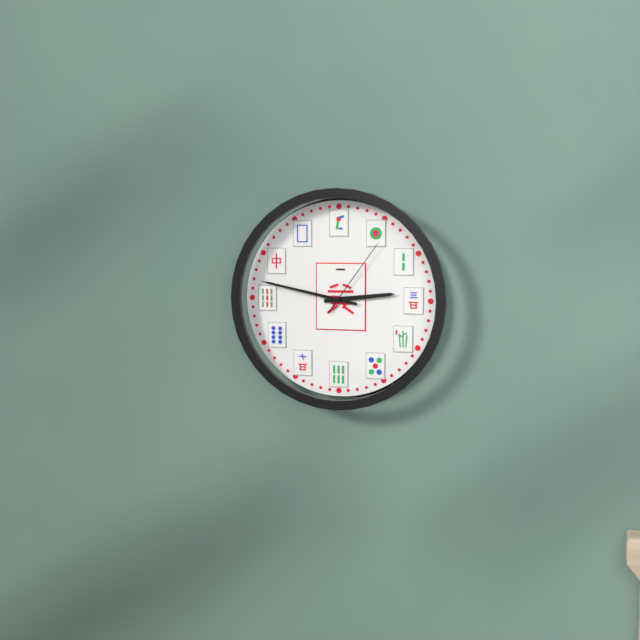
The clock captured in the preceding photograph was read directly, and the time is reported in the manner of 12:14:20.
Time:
2:47:06
